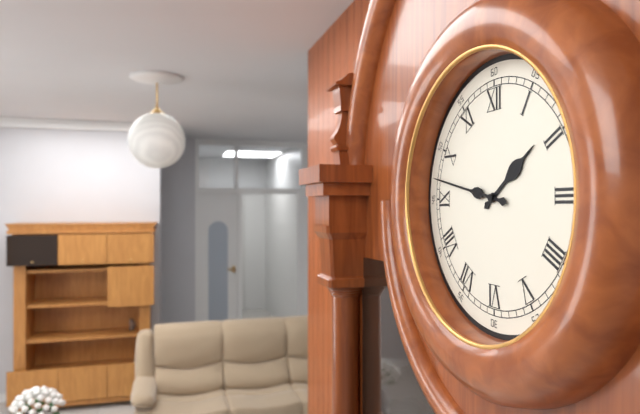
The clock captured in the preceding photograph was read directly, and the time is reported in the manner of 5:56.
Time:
1:47
